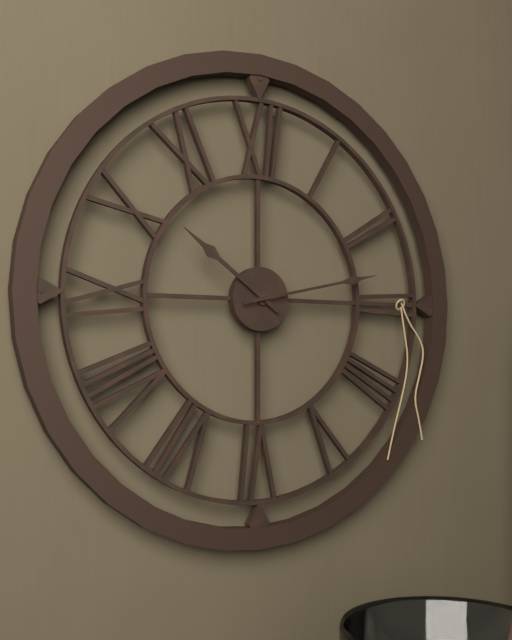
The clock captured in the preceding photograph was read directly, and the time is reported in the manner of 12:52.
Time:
10:13
